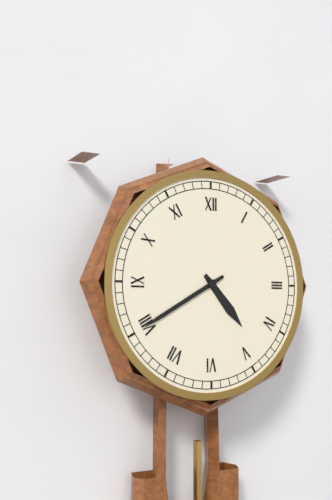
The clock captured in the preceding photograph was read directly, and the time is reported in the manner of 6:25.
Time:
4:40
